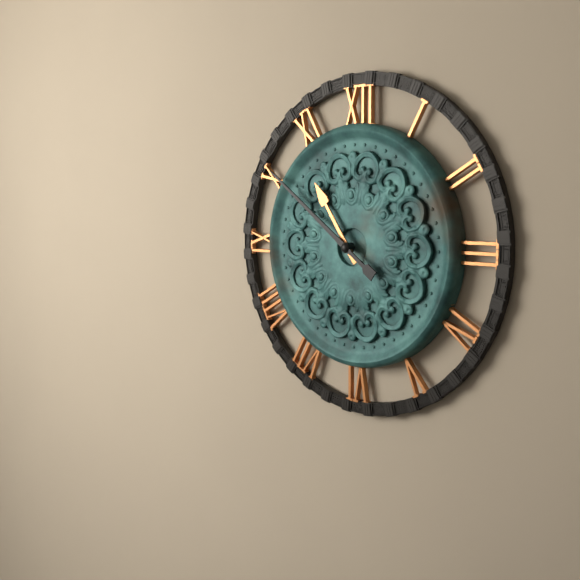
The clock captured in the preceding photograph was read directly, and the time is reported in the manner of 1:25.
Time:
10:51
